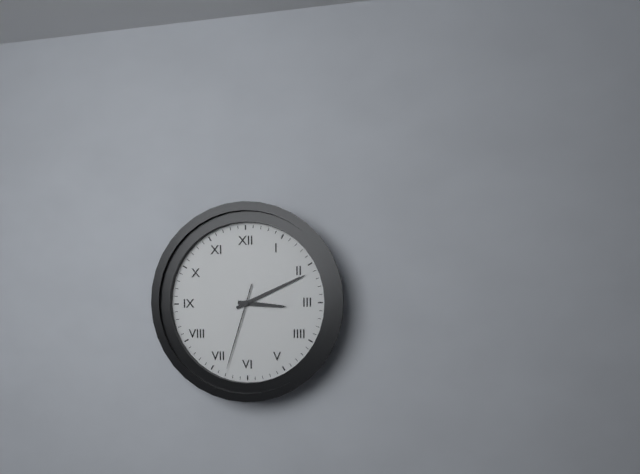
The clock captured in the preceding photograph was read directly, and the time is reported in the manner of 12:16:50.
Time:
3:11:33
